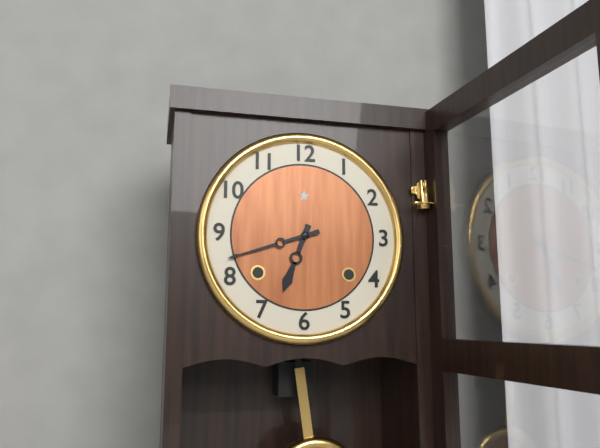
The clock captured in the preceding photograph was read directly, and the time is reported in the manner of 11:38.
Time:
6:42
